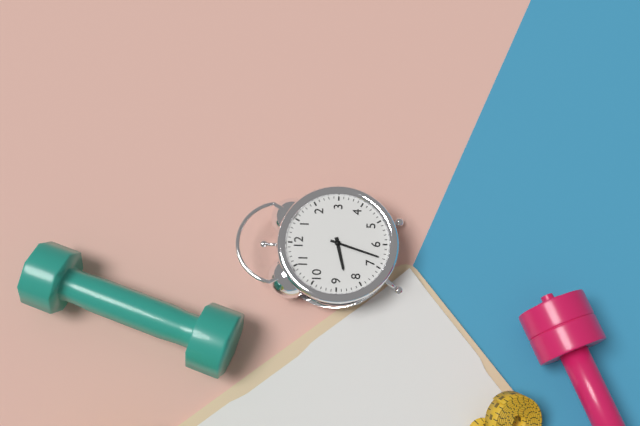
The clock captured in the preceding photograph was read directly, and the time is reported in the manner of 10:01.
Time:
8:33
